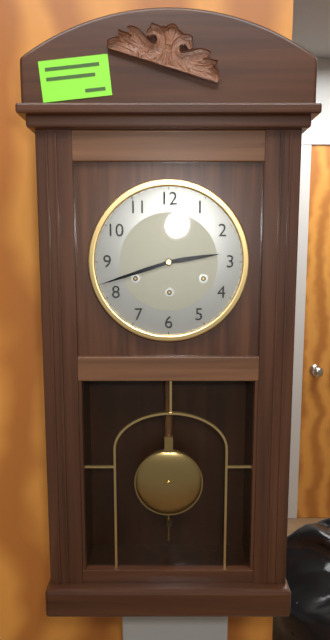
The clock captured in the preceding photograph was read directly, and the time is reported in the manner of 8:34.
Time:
2:42
